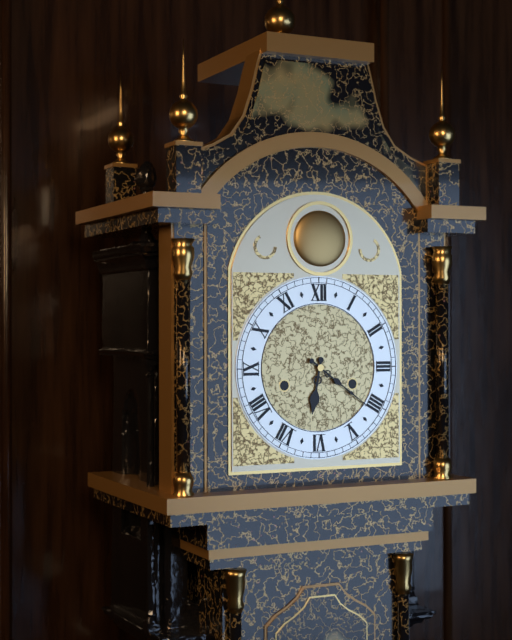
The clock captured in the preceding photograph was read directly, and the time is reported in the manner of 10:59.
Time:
6:21
